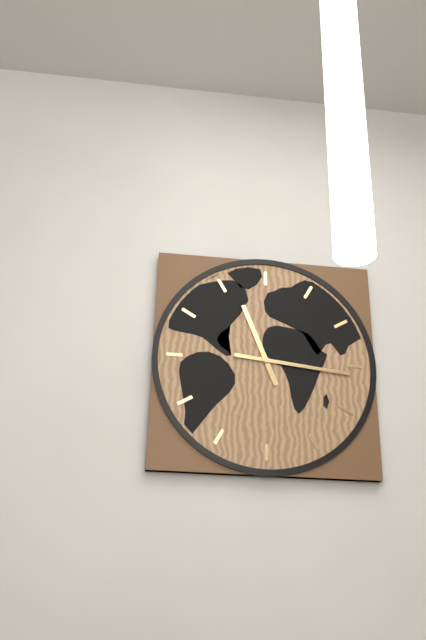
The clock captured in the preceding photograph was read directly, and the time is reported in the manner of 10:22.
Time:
11:16
